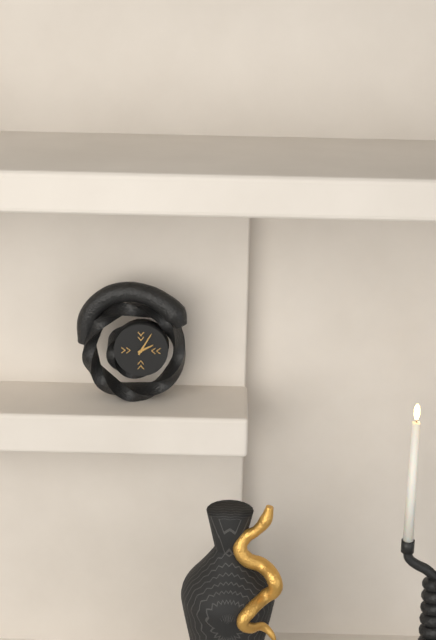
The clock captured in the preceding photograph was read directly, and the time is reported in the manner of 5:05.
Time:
2:05
